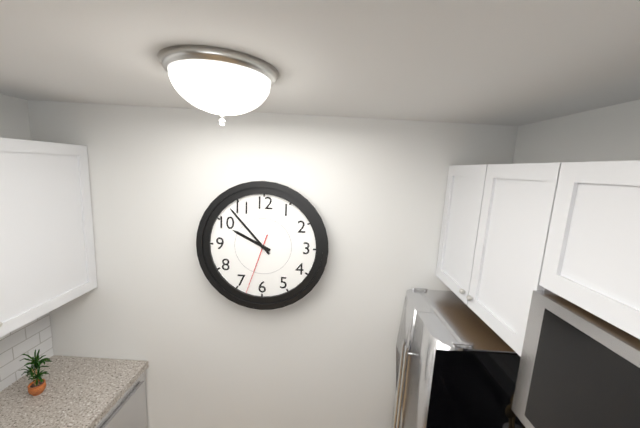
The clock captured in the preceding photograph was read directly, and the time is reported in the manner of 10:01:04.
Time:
9:53:33
